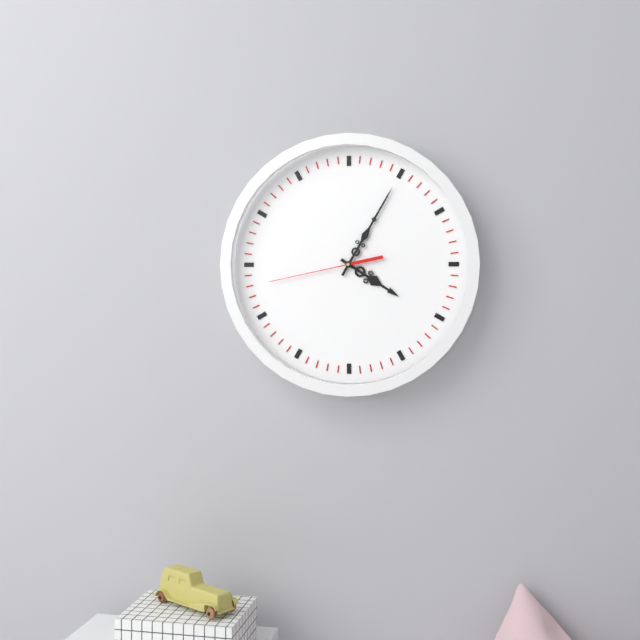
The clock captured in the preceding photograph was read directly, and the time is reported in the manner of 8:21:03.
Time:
4:05:43
